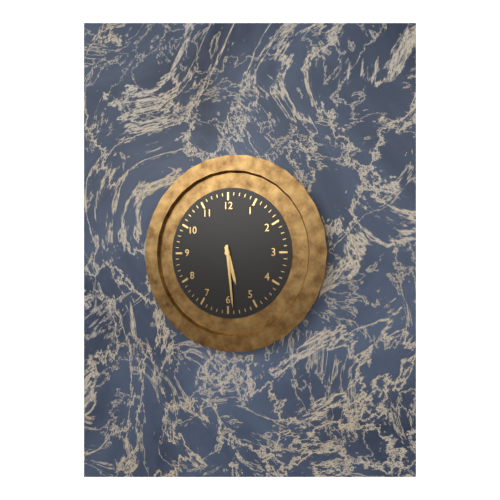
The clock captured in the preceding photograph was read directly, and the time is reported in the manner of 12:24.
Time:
5:29
